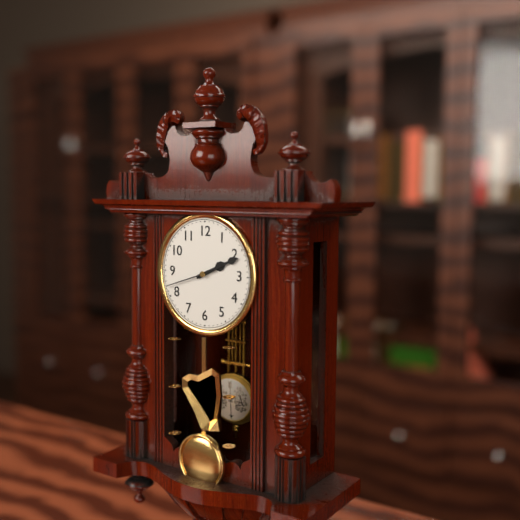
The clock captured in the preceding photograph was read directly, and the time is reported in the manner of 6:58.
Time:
2:11
